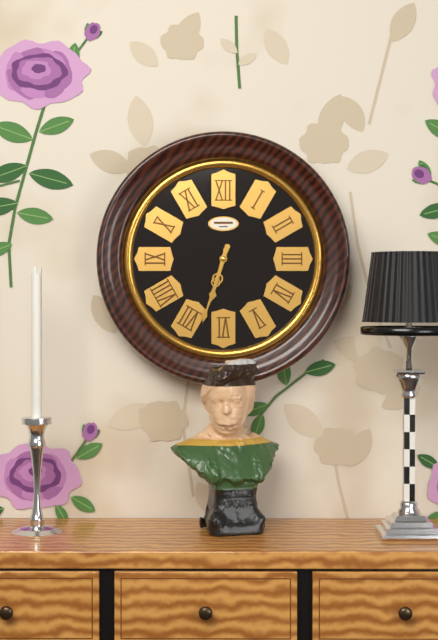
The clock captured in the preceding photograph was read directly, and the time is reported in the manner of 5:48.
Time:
6:33
